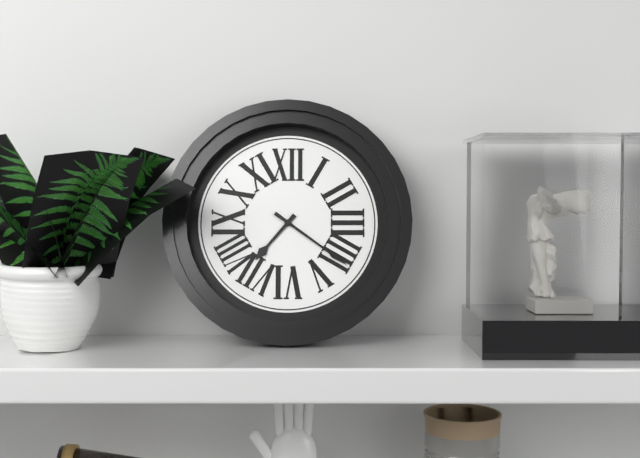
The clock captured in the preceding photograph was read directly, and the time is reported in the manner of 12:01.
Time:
7:21
